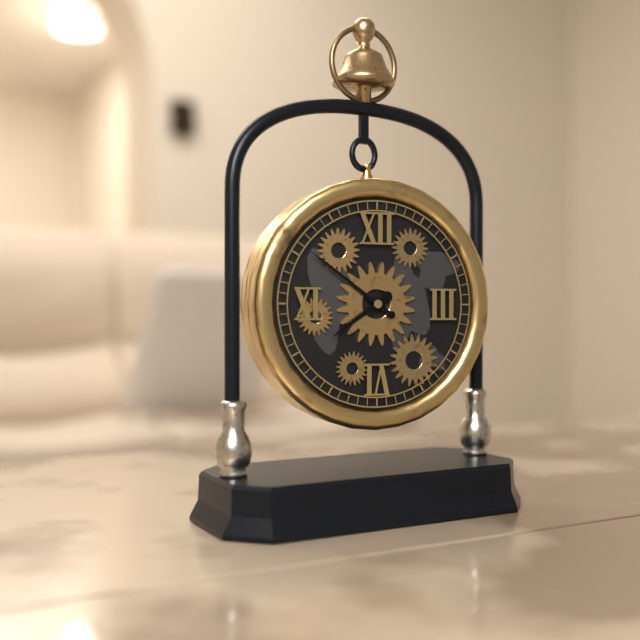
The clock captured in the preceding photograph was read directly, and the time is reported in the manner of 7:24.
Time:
7:51
